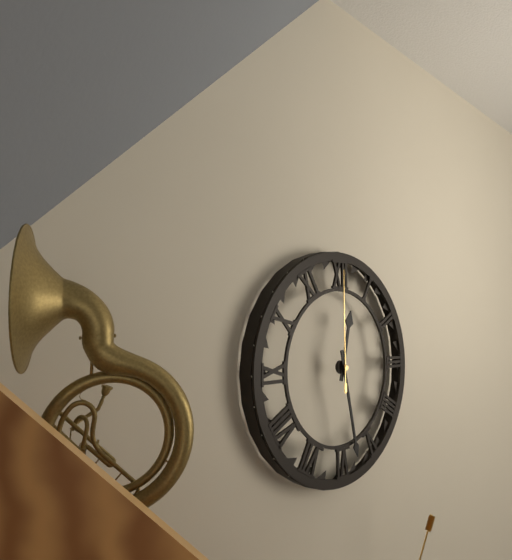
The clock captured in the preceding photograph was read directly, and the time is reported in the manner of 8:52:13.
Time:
12:28:00
